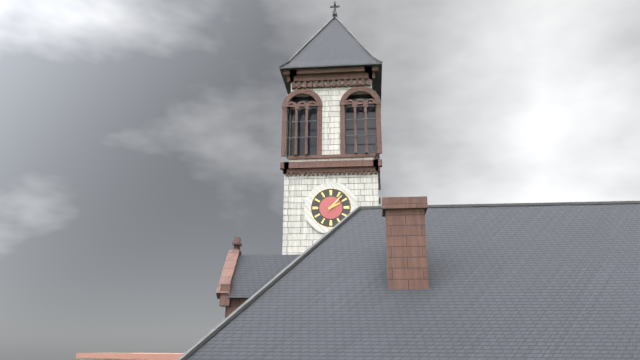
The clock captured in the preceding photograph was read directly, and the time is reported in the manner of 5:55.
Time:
2:07
